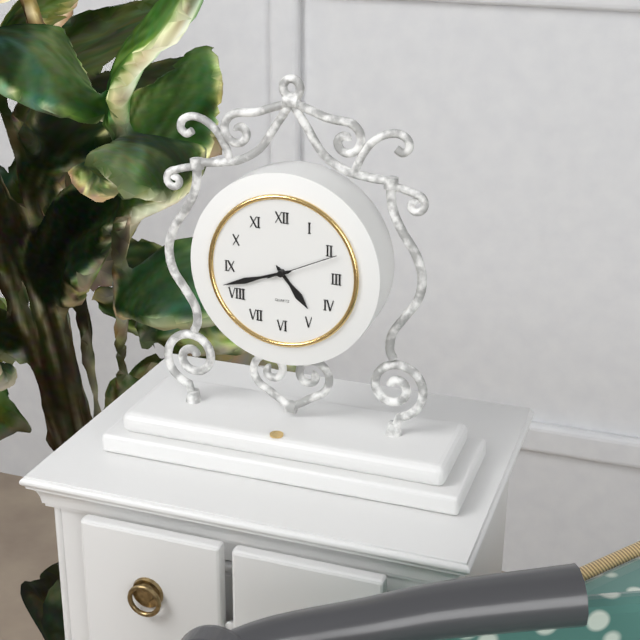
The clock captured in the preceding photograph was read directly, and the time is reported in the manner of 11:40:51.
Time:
4:42:11
